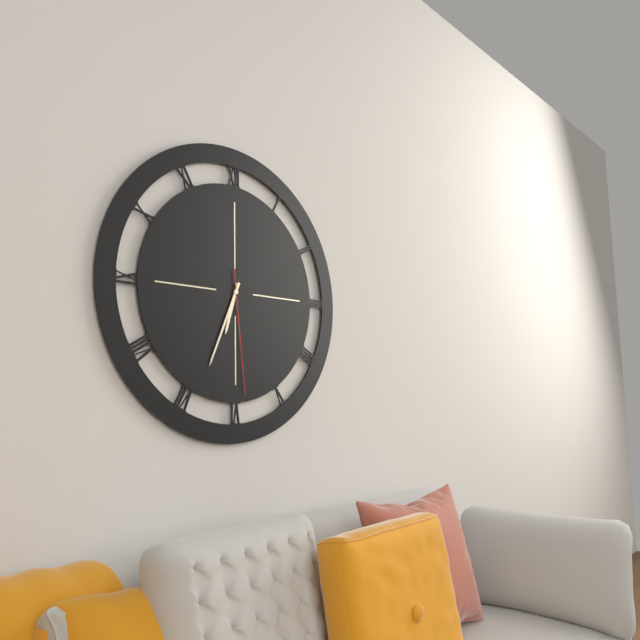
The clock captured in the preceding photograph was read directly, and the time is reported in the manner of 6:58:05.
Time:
6:34:29
